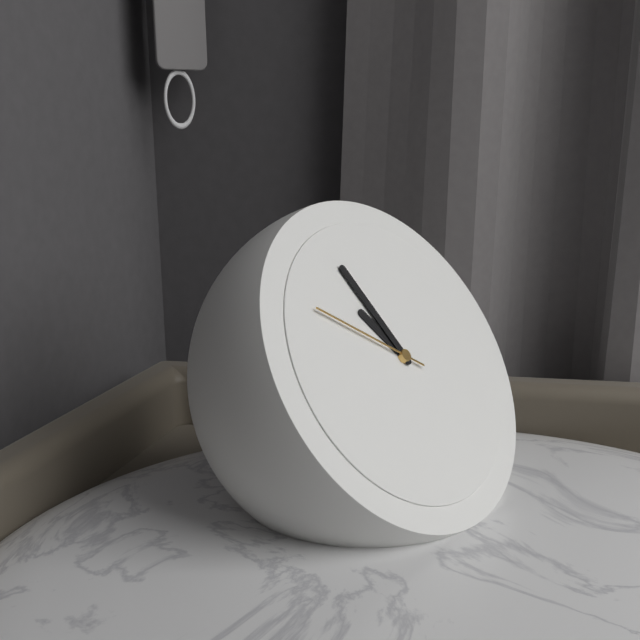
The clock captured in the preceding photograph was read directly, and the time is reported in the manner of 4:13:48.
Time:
10:57:51
